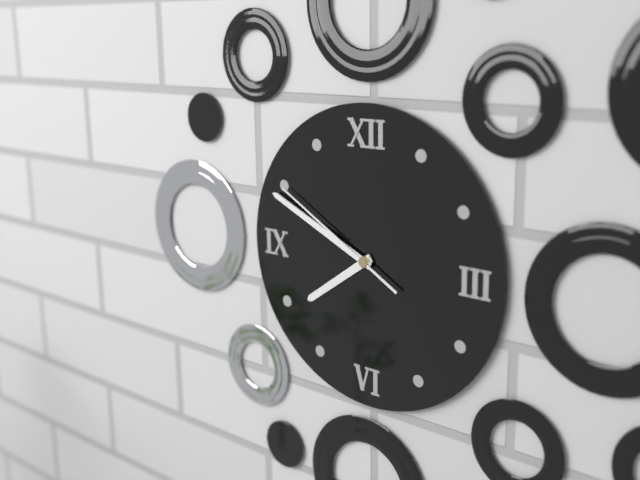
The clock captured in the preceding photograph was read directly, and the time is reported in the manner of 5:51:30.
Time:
7:49:50
